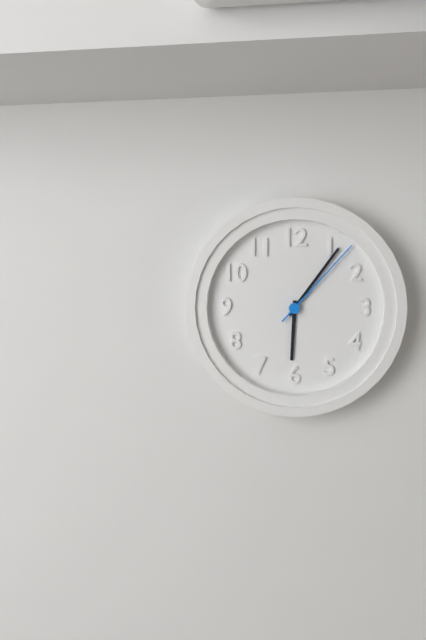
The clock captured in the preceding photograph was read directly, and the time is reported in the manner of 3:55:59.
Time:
6:06:07
